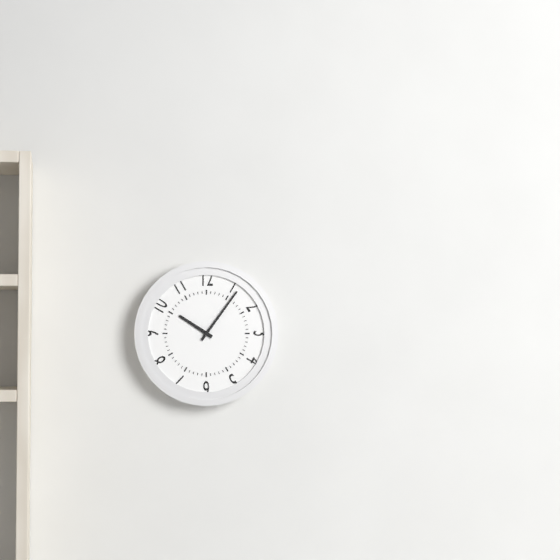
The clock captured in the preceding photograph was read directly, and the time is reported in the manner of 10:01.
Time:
10:06
